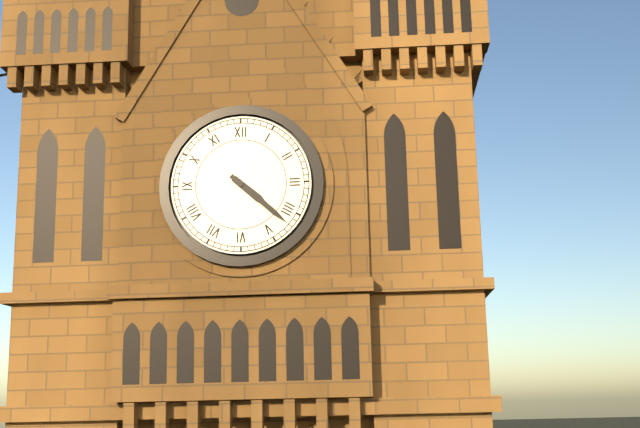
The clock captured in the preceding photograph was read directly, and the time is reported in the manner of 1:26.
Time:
4:22
